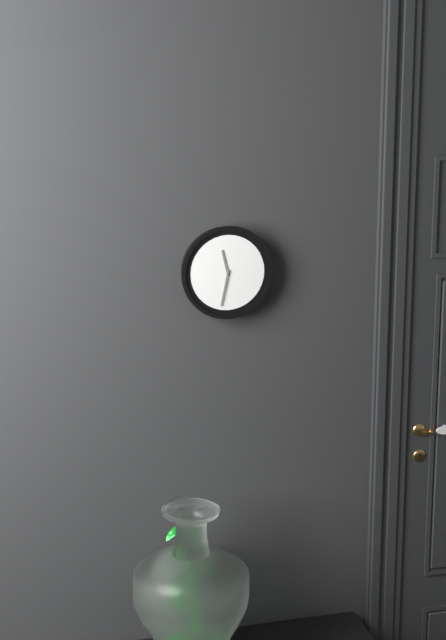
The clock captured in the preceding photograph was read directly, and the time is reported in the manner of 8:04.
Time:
11:32
